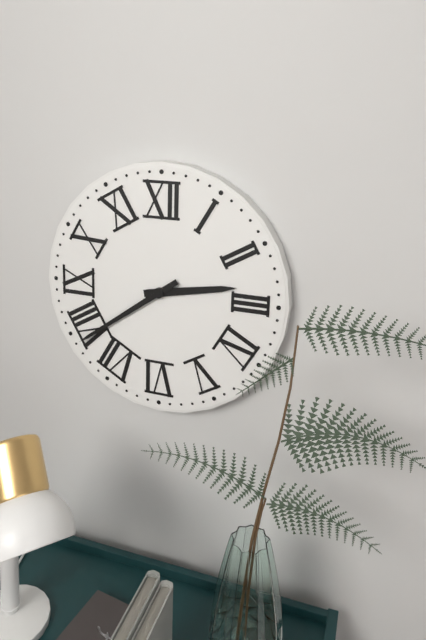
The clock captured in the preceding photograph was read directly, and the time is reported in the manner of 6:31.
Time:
2:39
